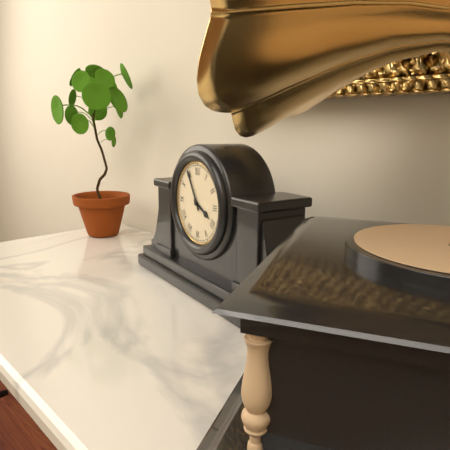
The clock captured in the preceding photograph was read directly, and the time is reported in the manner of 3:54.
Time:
3:55
